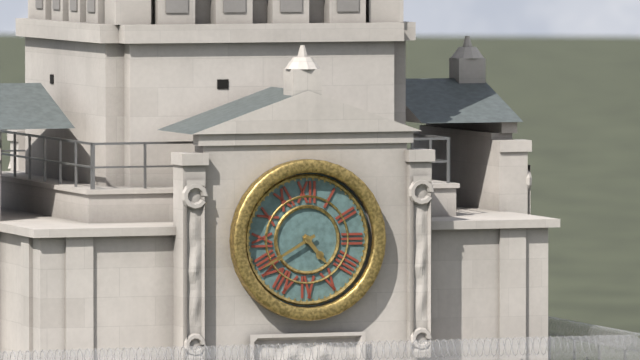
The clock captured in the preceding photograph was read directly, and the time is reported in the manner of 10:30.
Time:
4:40
